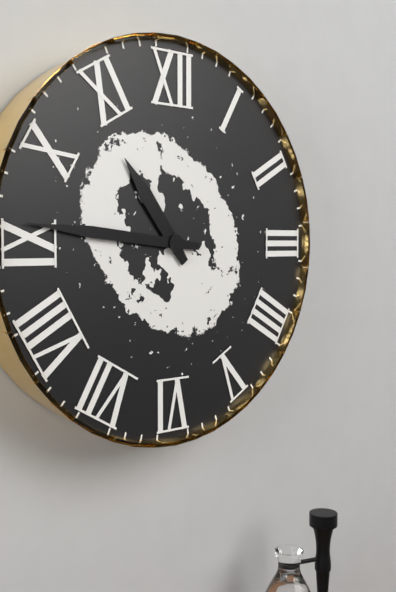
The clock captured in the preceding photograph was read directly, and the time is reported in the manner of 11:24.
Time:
10:46
